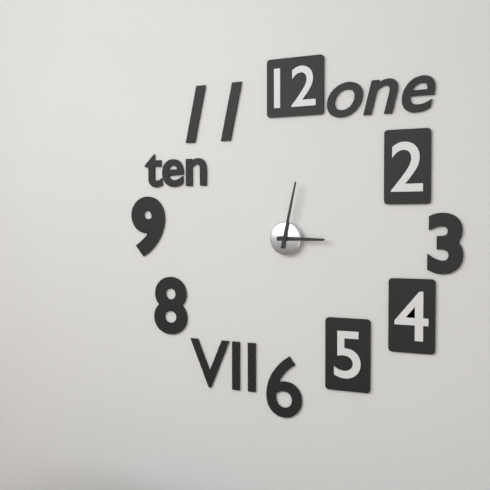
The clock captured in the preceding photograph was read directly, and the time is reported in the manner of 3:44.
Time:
3:02
